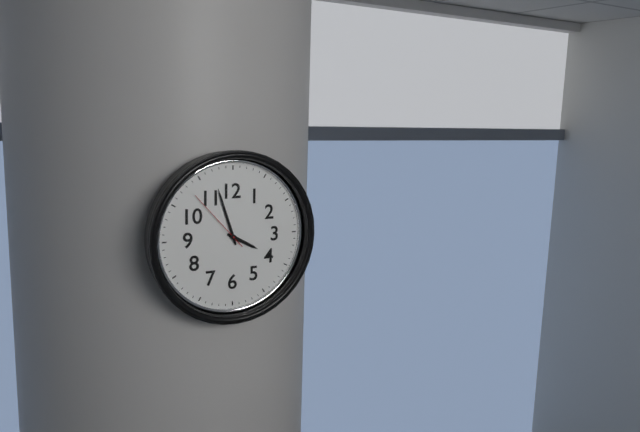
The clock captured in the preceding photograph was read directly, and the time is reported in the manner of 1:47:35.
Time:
3:57:53
